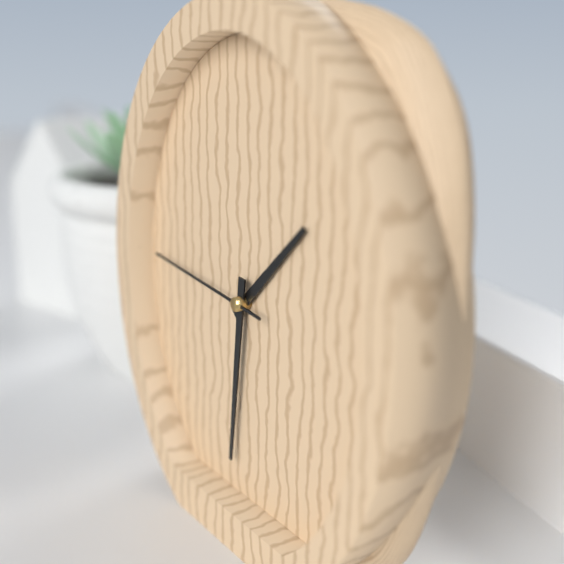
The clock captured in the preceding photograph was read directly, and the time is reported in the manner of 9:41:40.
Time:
1:31:46
